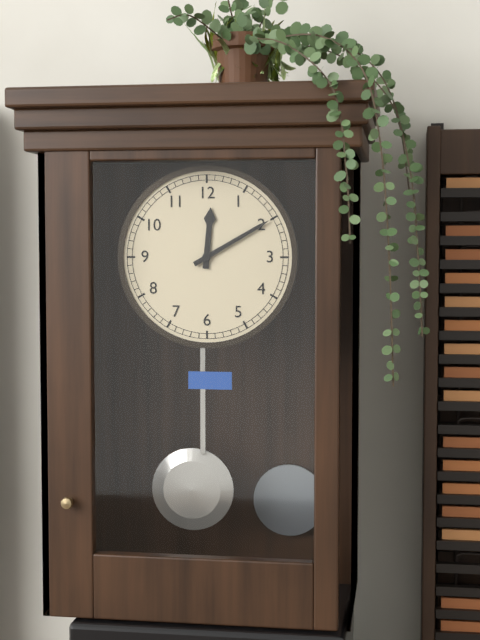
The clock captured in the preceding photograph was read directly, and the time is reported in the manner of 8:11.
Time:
12:10
